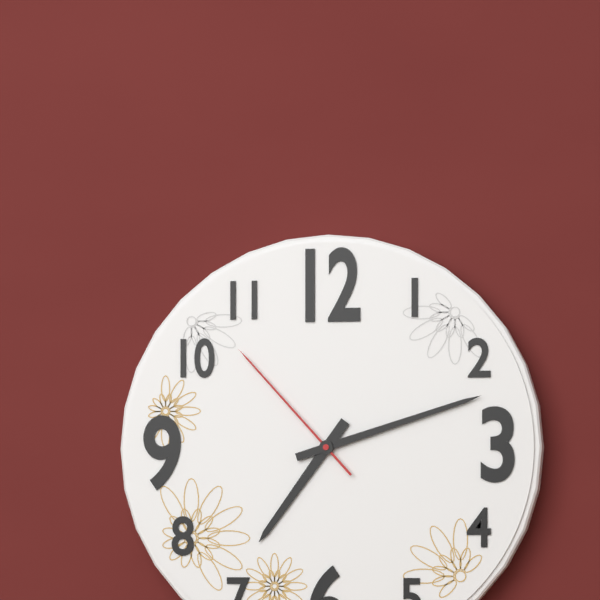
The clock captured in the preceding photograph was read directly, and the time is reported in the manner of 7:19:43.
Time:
7:12:53
